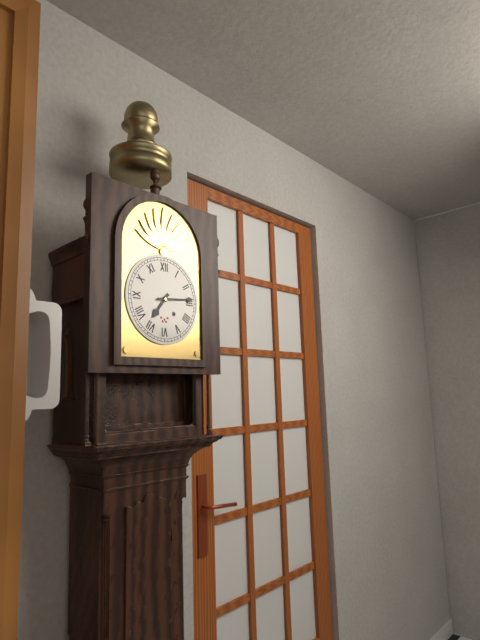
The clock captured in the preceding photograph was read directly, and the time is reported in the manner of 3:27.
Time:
7:14
